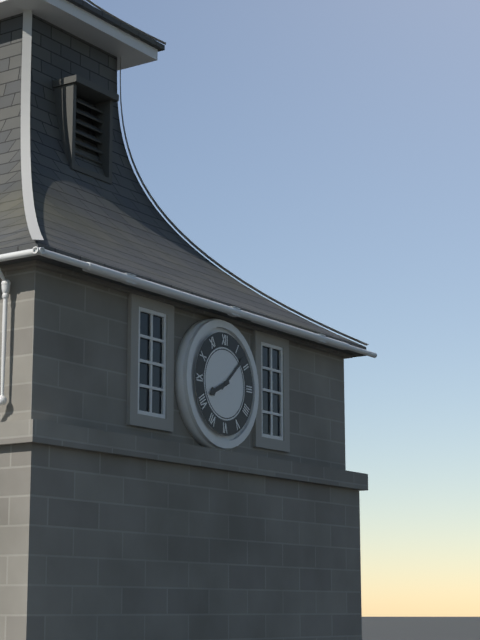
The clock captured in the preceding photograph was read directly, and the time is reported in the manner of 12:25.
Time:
8:08
